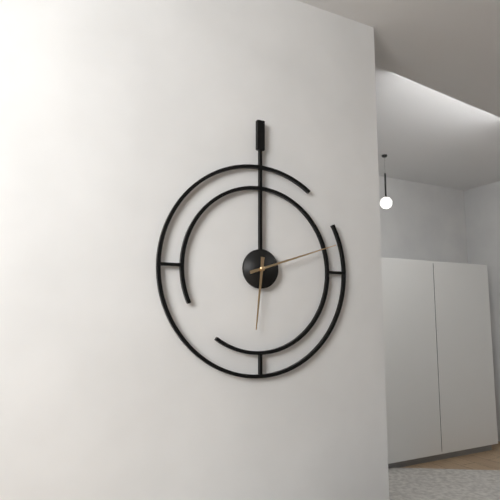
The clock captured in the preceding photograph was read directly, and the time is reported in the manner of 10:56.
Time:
6:12
